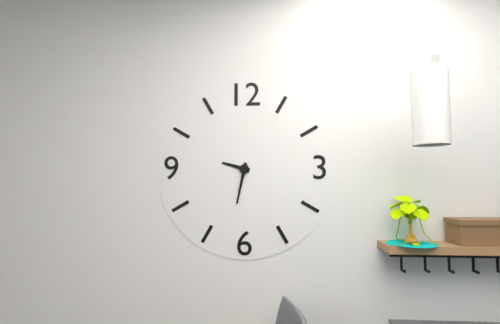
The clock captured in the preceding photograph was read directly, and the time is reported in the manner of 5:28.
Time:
9:32
